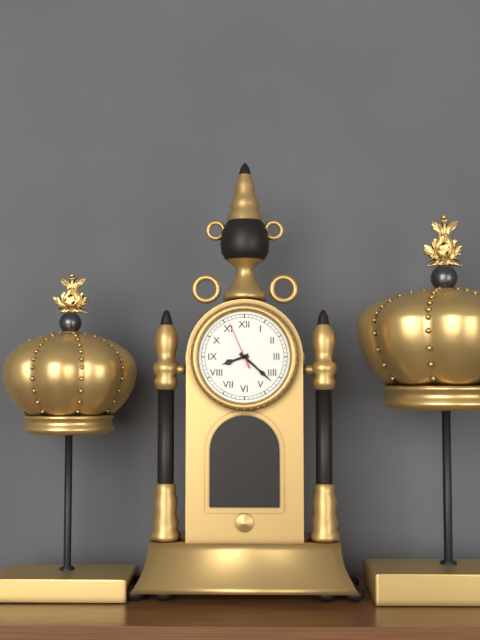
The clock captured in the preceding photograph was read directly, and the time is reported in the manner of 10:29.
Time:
8:22
